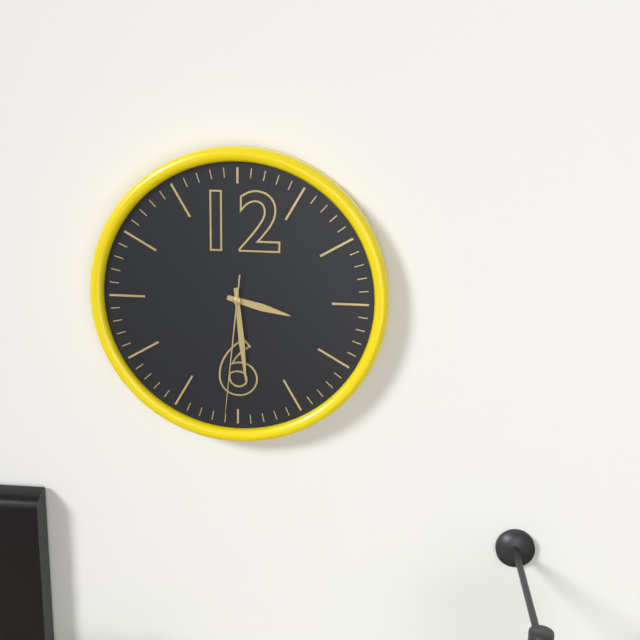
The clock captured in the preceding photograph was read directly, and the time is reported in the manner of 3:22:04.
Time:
3:29:31
